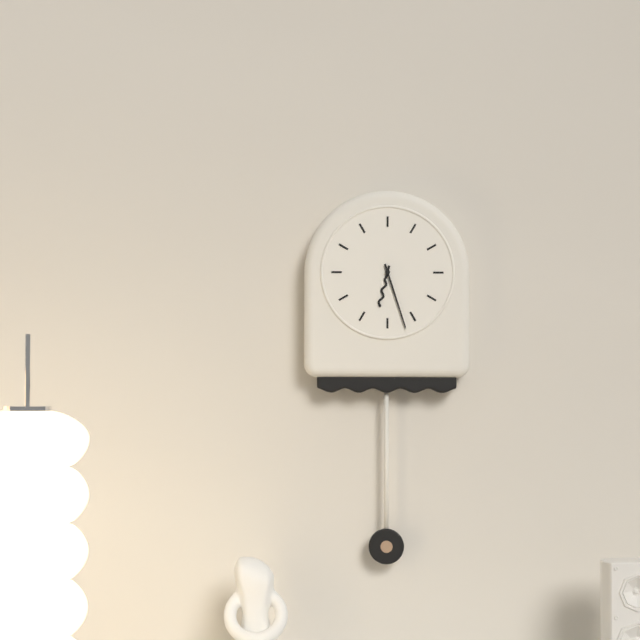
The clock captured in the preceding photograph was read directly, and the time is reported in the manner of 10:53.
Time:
6:27
